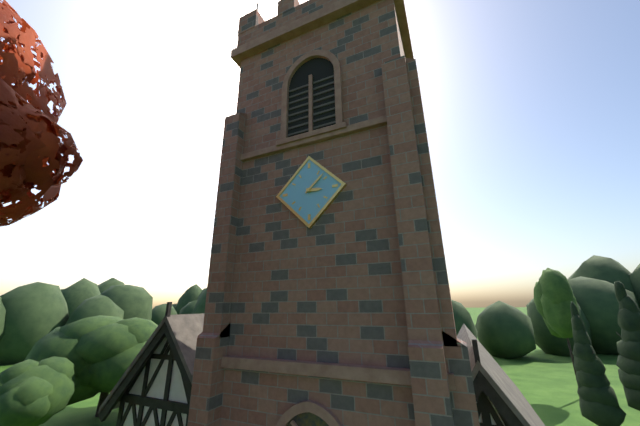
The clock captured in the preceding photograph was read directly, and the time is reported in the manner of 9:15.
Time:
3:08
